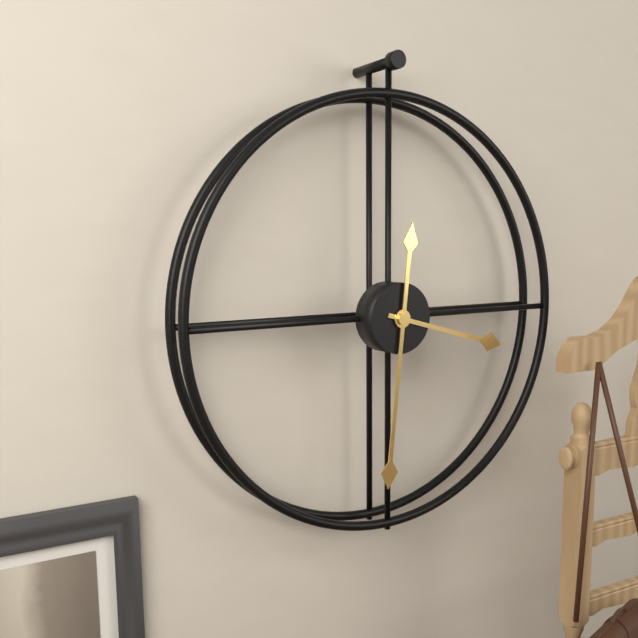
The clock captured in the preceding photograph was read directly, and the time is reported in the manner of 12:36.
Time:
3:31
